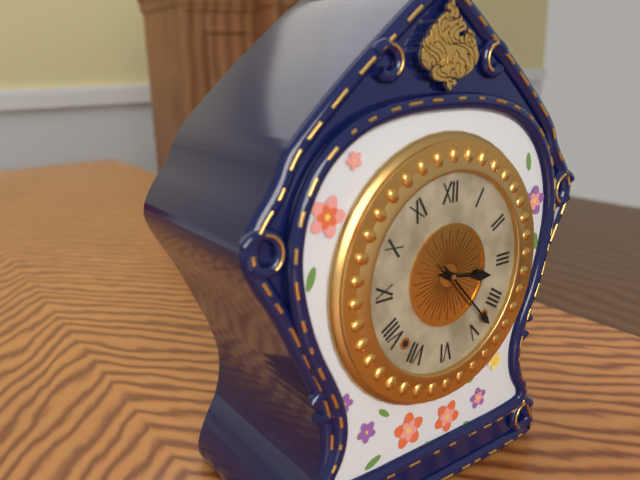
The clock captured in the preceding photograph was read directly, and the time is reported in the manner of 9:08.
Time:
3:23
